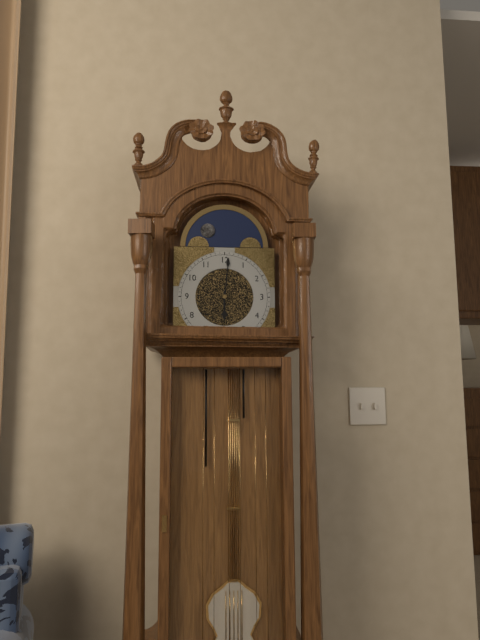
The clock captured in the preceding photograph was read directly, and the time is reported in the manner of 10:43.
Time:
6:01
